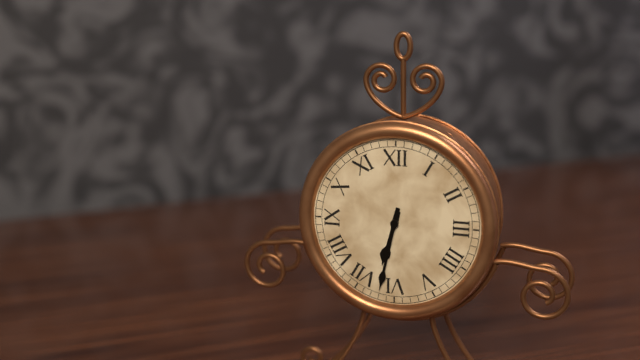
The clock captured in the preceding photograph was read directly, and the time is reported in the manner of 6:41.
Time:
6:32
